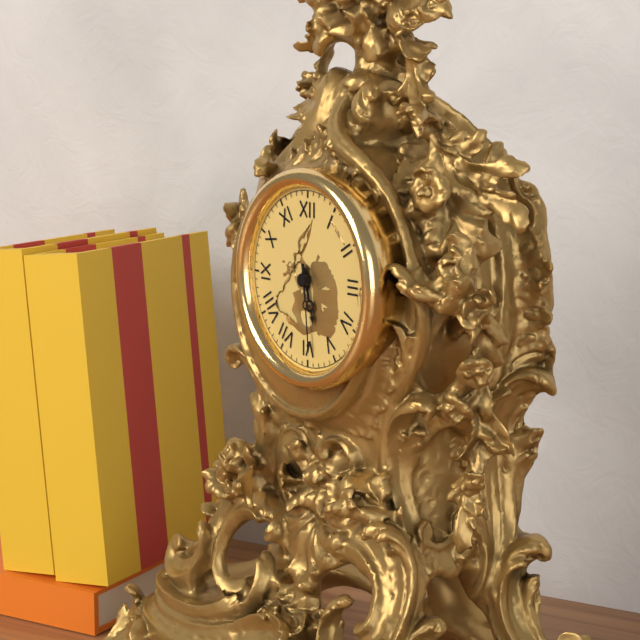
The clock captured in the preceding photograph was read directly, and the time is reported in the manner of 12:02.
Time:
5:29
